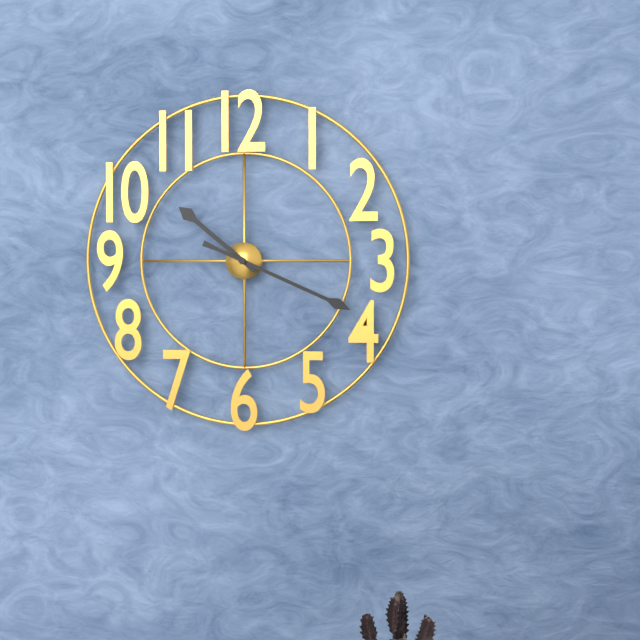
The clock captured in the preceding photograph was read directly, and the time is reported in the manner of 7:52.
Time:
10:19
